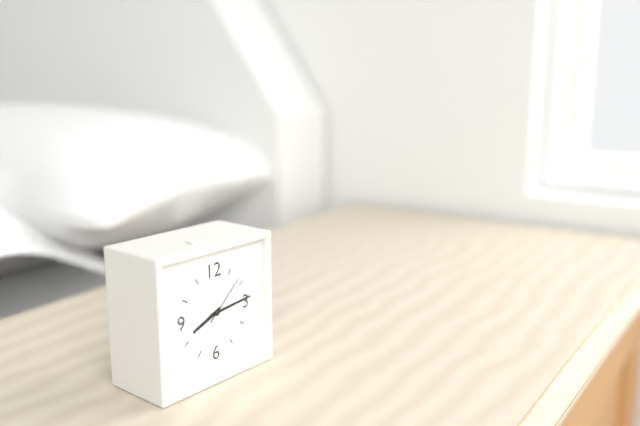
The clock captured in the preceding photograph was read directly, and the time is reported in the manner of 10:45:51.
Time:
8:14:08
